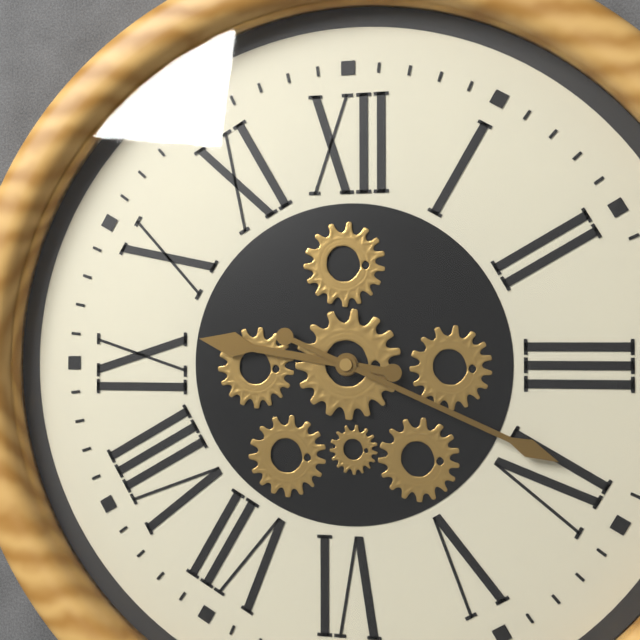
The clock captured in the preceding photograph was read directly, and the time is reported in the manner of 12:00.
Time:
9:19
